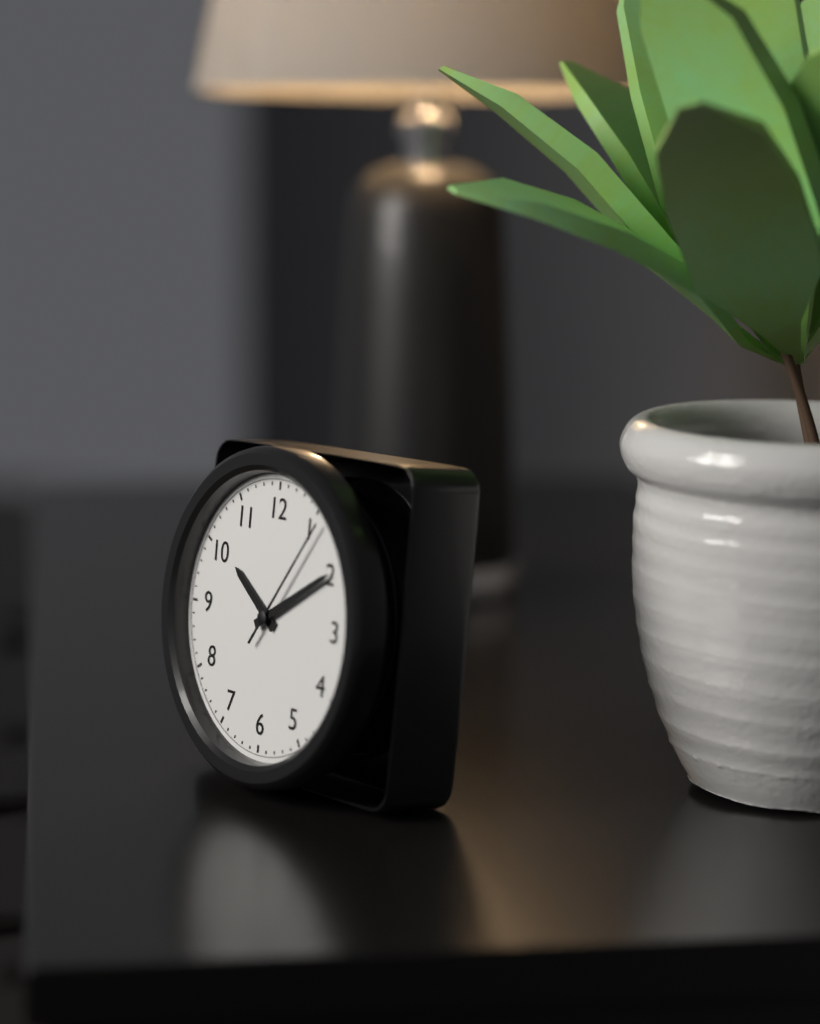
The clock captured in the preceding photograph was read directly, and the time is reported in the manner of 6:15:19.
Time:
10:10:06
